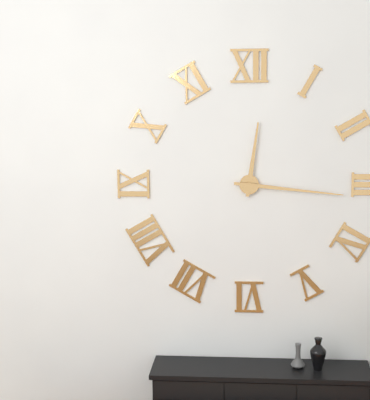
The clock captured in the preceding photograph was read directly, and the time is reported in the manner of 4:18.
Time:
12:16
